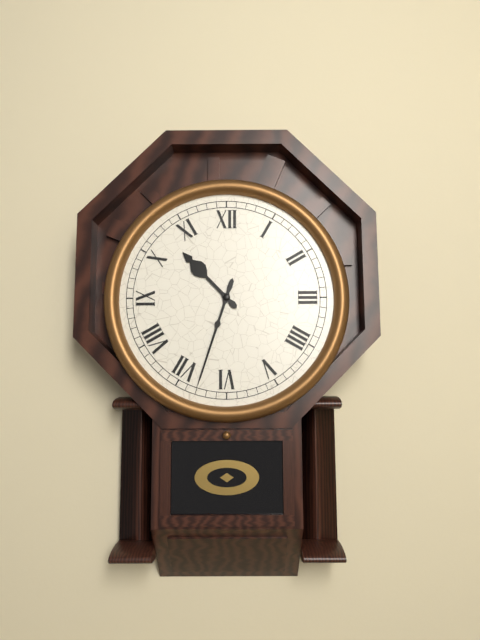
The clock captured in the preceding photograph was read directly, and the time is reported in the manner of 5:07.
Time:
10:33
